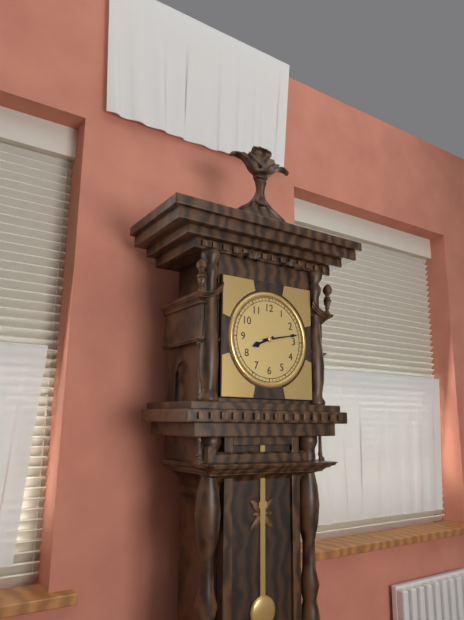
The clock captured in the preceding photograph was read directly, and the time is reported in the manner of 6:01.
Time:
8:13
